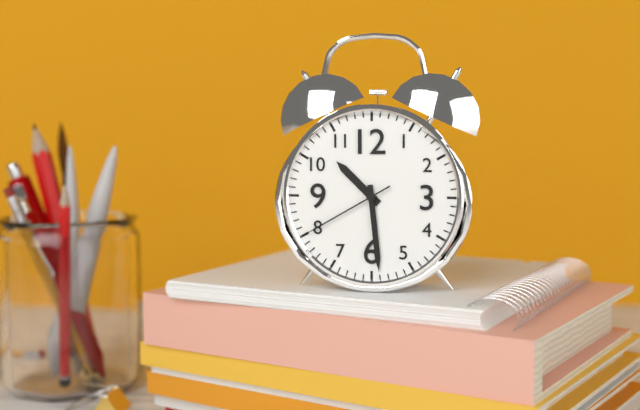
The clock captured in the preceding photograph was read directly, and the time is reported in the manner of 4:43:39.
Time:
10:29:40
